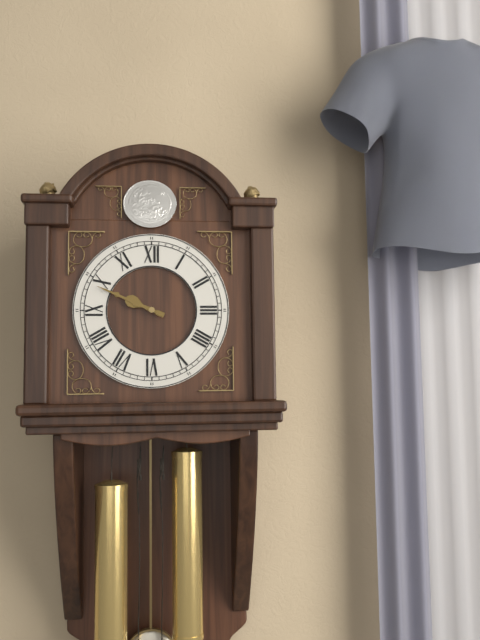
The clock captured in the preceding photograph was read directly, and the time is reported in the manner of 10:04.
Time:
9:49
